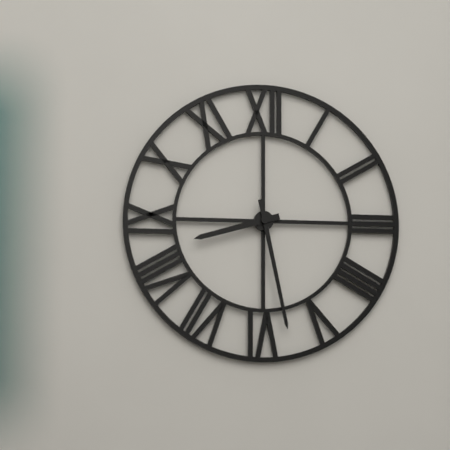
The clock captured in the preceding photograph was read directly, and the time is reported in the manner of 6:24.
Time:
8:28
